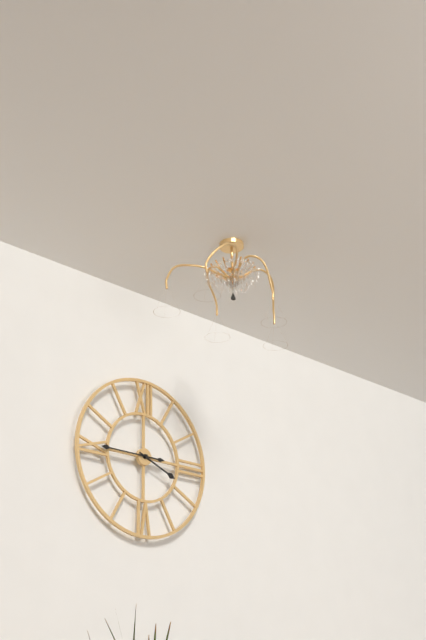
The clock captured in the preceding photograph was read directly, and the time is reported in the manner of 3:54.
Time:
3:45
